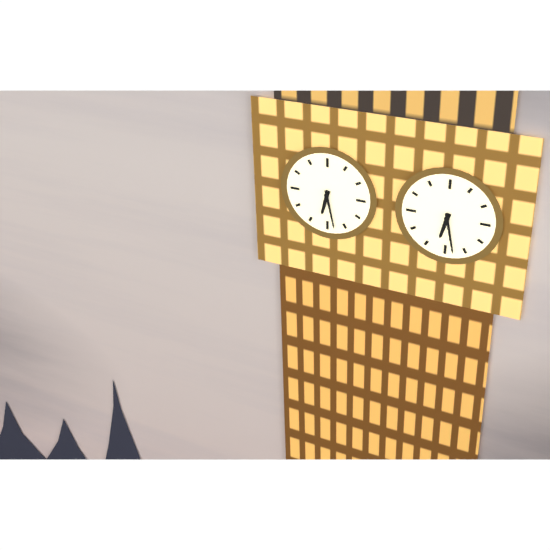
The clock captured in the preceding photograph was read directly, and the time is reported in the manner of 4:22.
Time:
6:28
